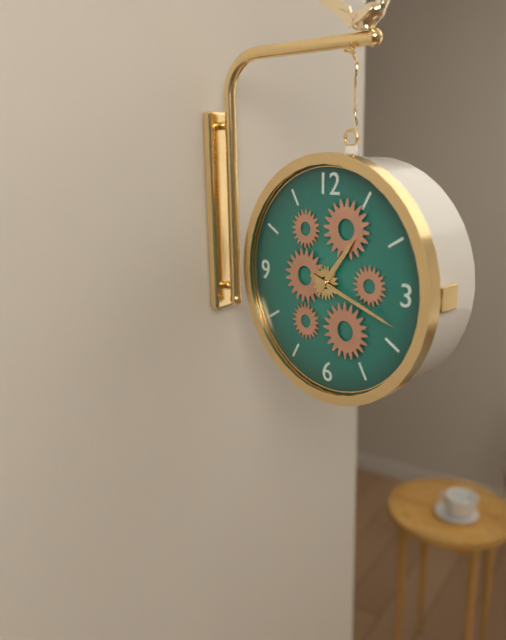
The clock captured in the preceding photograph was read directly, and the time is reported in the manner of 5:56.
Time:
1:18
